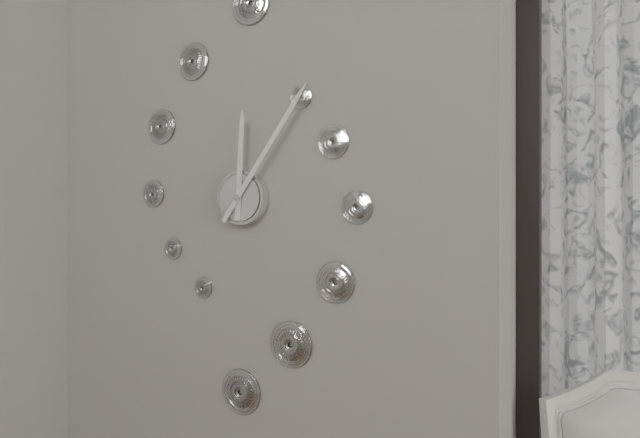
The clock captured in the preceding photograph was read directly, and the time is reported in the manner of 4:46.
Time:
12:06
